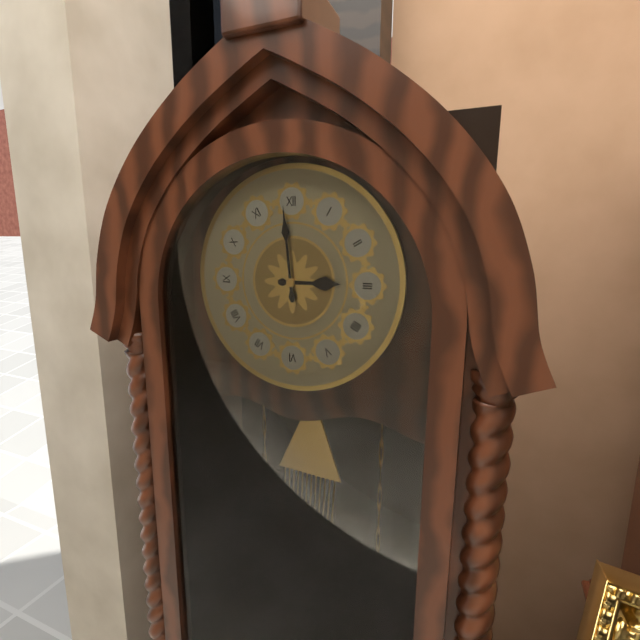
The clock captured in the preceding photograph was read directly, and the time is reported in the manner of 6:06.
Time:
2:59
